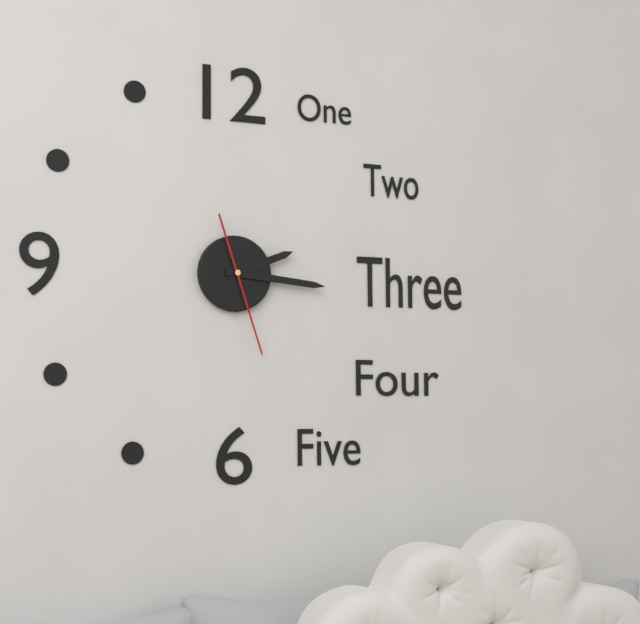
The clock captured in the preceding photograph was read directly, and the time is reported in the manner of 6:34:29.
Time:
2:16:27
